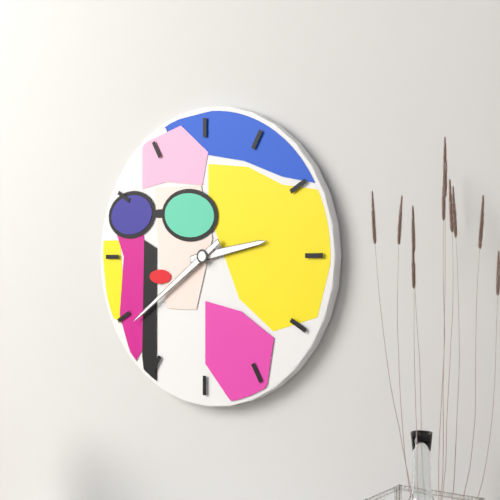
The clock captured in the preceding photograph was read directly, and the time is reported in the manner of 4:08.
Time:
2:39
